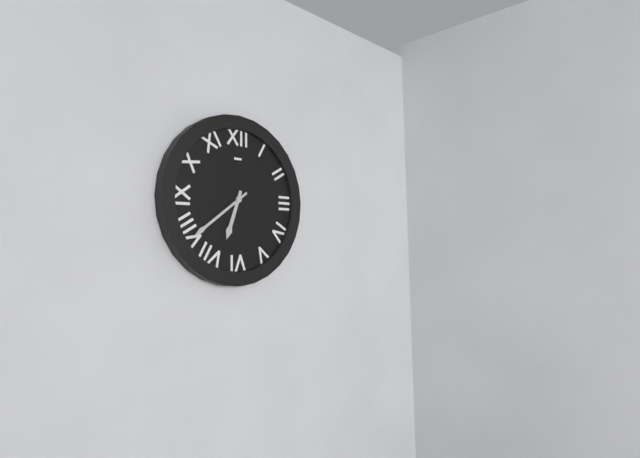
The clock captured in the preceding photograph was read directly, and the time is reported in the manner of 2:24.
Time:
6:39
